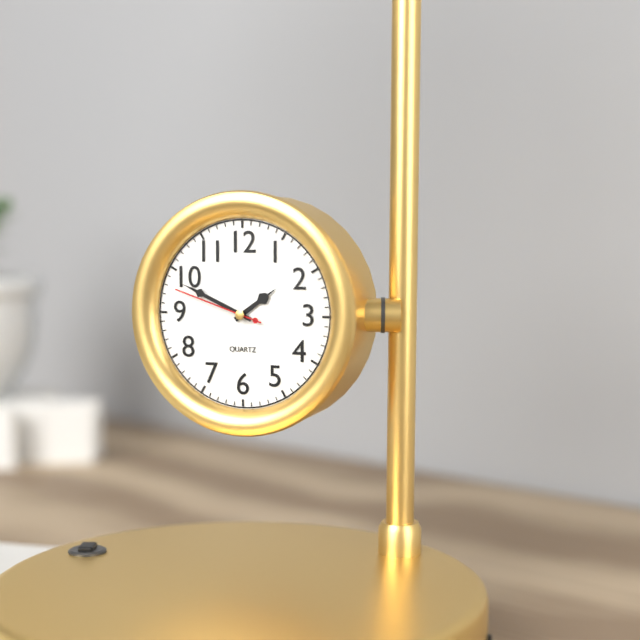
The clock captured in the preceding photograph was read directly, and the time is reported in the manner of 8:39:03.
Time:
1:49:48
